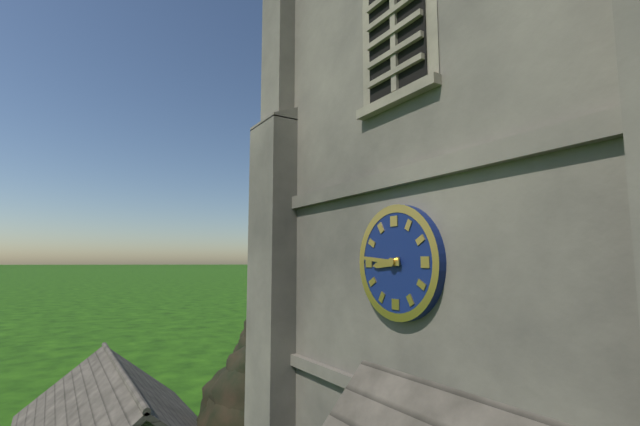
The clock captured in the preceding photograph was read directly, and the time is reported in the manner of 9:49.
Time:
8:46
